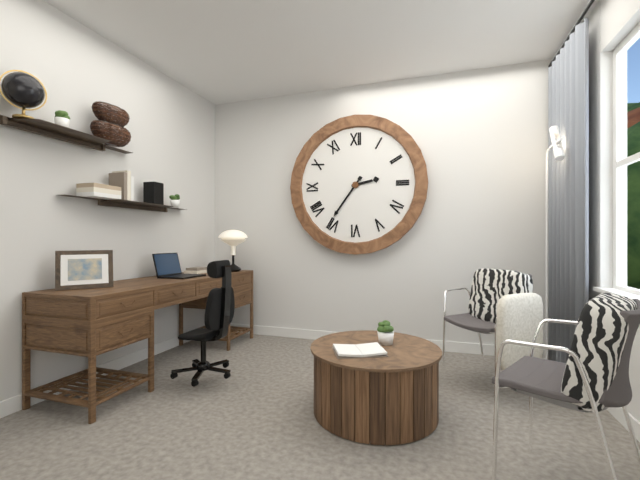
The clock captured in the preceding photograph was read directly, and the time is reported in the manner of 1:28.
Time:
2:36
